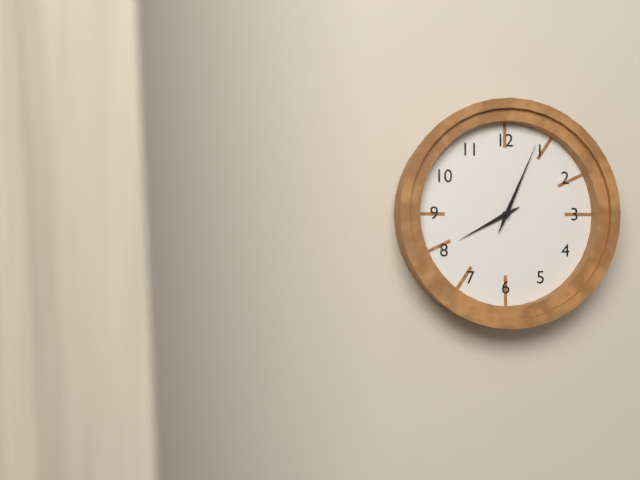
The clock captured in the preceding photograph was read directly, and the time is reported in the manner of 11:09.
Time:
8:04
